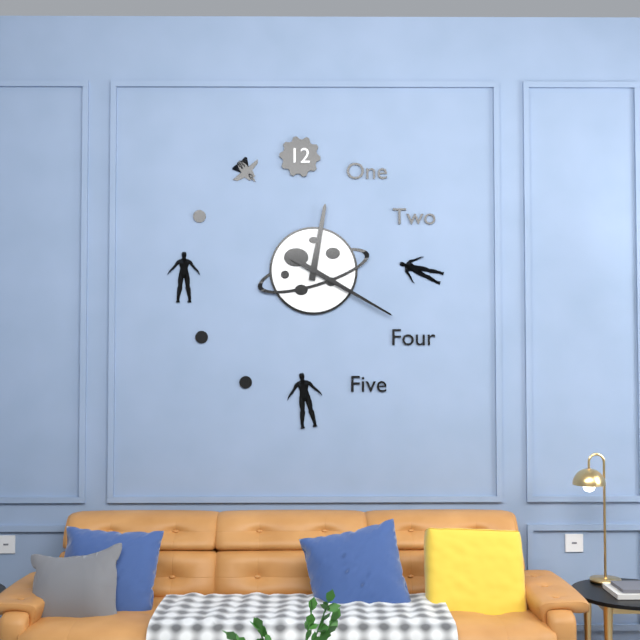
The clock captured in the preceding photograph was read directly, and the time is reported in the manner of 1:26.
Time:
12:20
